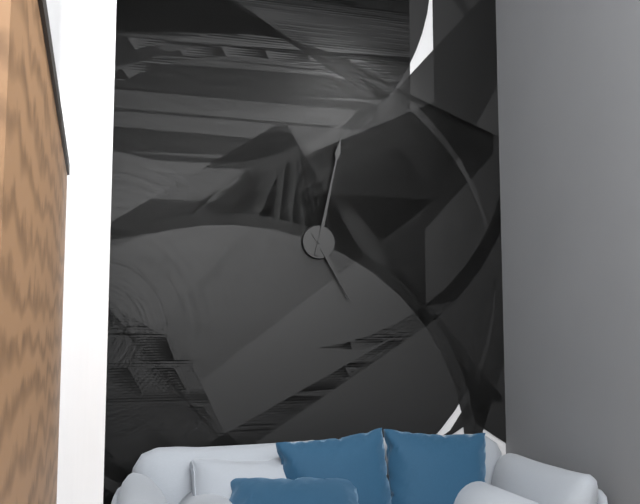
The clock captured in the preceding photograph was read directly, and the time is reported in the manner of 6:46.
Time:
5:02
